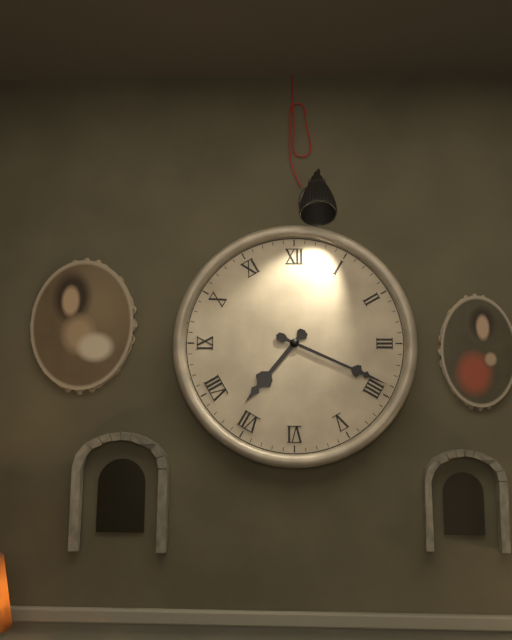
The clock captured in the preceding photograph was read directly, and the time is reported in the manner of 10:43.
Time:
7:19
